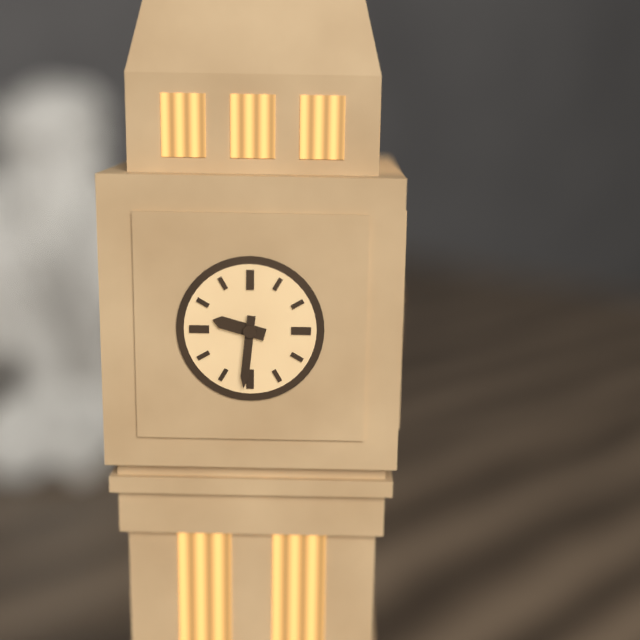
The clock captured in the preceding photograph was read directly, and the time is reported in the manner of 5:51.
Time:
9:31
